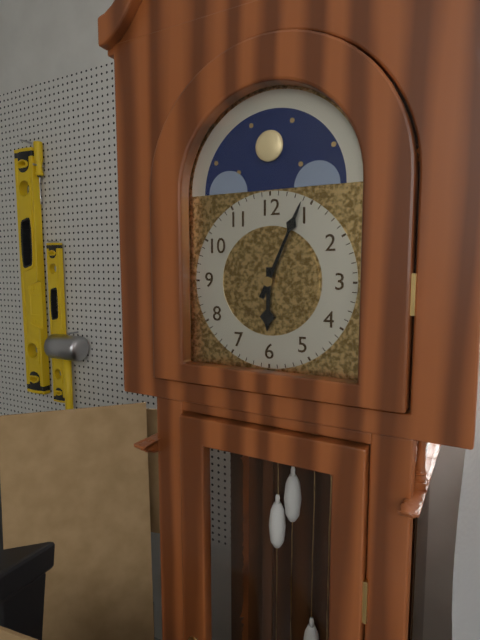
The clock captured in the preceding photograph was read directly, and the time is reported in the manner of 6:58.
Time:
6:04
